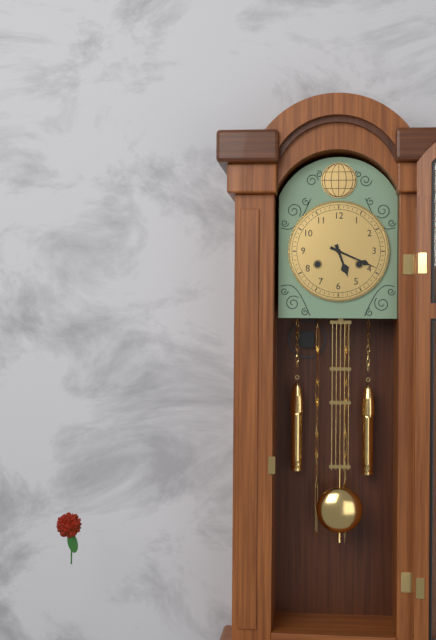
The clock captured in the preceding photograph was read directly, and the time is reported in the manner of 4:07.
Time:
5:19
